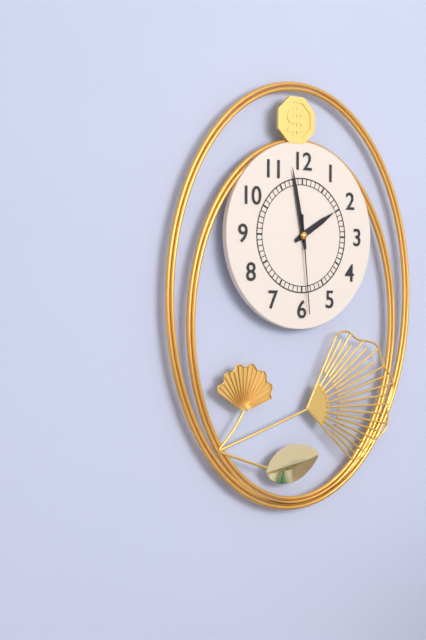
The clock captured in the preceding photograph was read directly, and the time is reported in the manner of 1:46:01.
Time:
1:58:29
